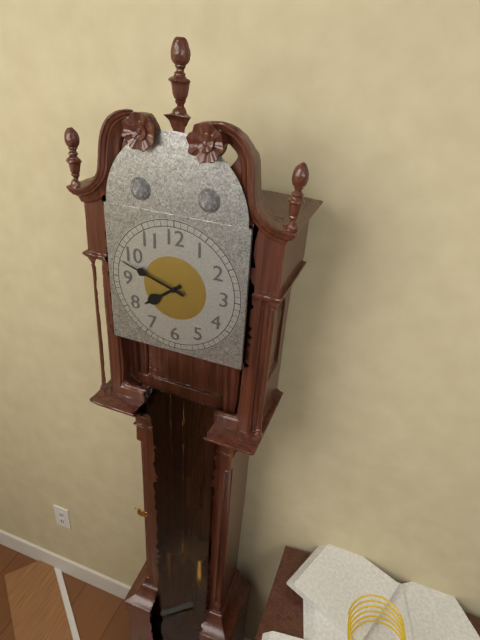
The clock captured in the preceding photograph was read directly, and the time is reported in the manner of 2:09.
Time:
7:48
